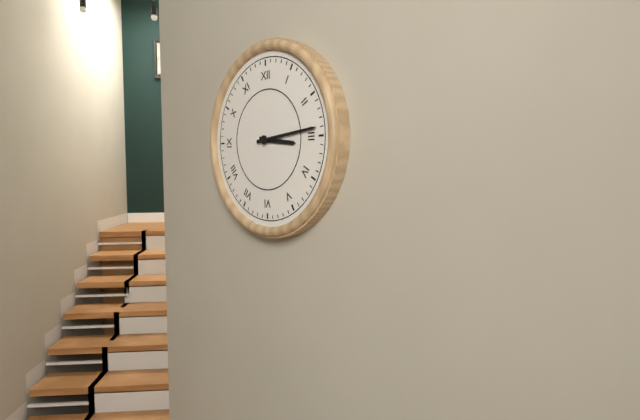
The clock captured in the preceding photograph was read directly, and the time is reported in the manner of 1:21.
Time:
3:14
